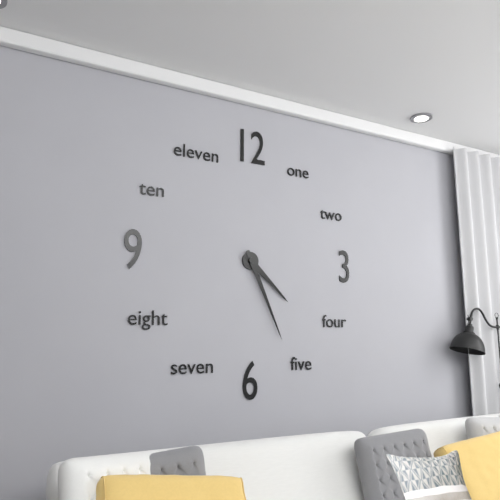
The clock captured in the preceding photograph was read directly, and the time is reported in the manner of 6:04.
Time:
4:26
